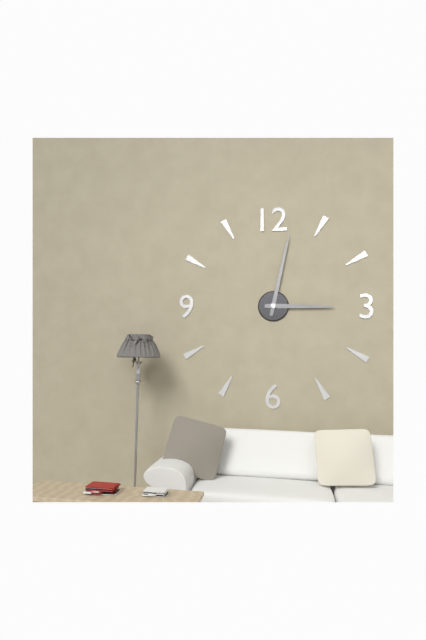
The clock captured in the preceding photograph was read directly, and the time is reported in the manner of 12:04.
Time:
3:02
